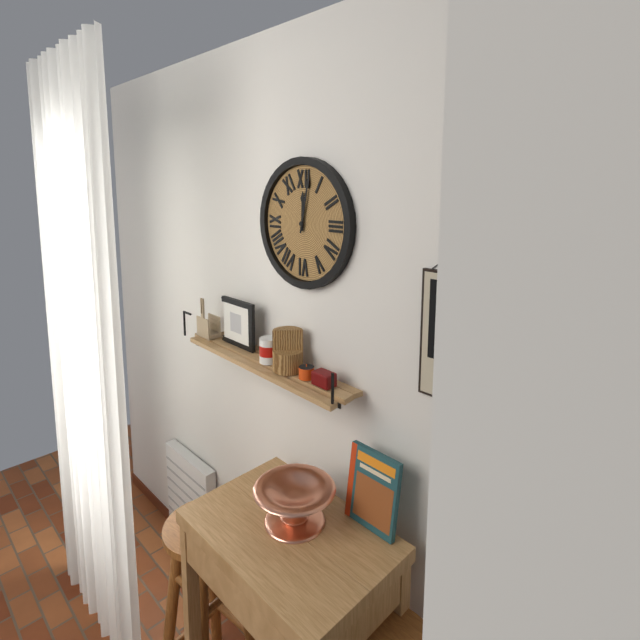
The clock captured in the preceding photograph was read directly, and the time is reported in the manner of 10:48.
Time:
12:02
